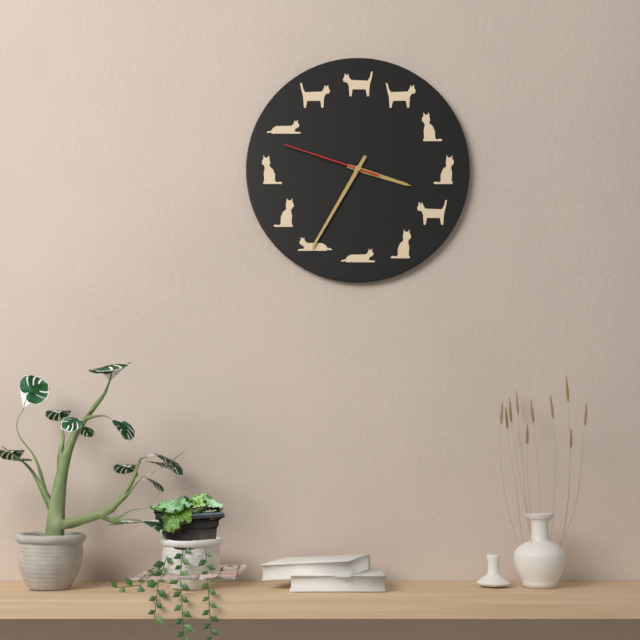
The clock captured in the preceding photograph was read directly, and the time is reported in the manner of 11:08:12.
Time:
3:35:48
